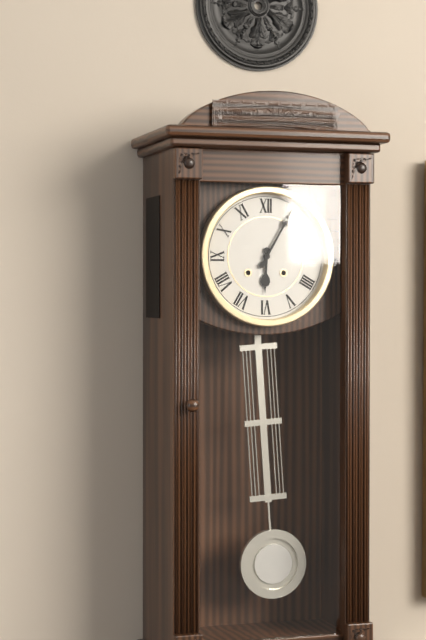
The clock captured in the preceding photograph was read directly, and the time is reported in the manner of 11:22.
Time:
6:05
